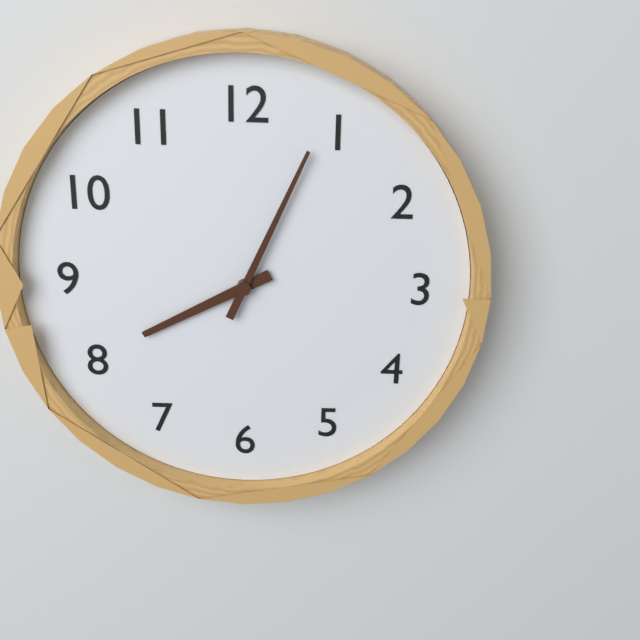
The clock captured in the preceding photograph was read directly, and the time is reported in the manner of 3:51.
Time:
8:04
